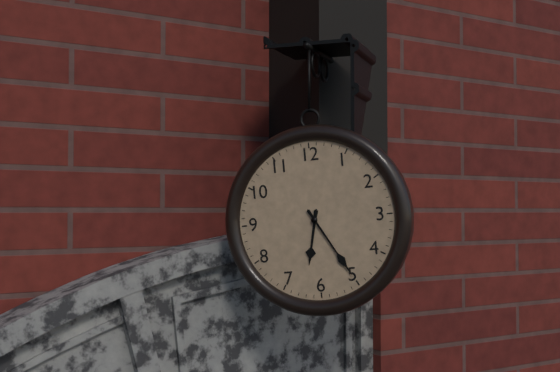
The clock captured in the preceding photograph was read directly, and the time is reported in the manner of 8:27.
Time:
6:25
